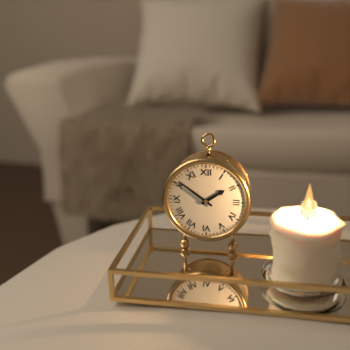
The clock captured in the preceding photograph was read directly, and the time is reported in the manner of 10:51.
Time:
1:51
